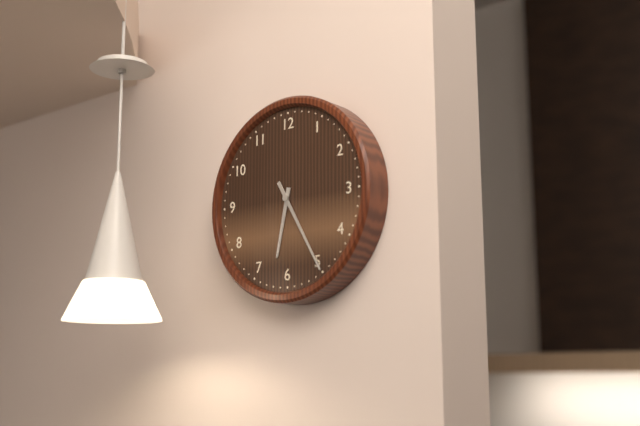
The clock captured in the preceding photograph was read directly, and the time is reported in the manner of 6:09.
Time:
6:25
